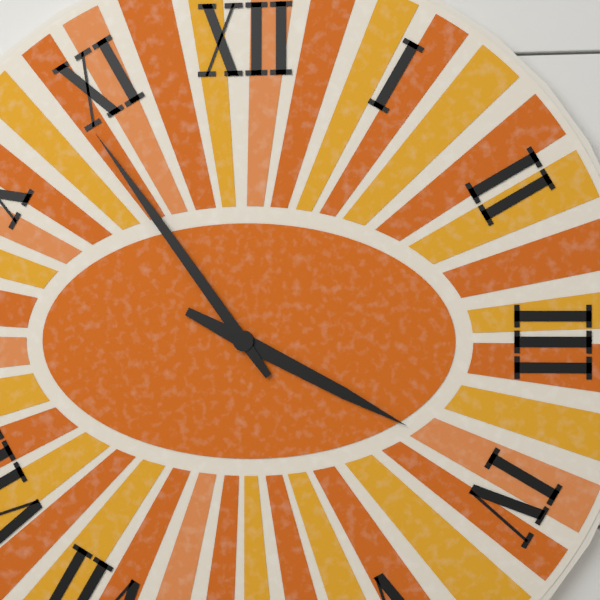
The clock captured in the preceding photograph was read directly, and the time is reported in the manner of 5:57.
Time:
3:54
